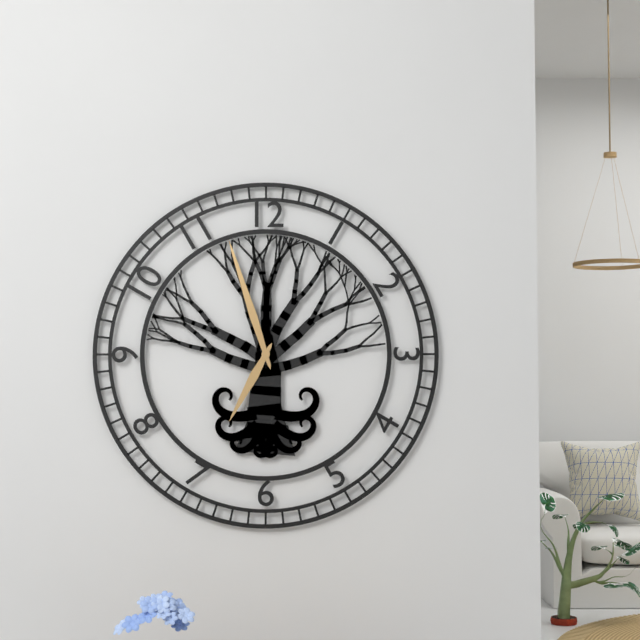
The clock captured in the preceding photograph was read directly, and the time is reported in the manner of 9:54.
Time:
6:57
